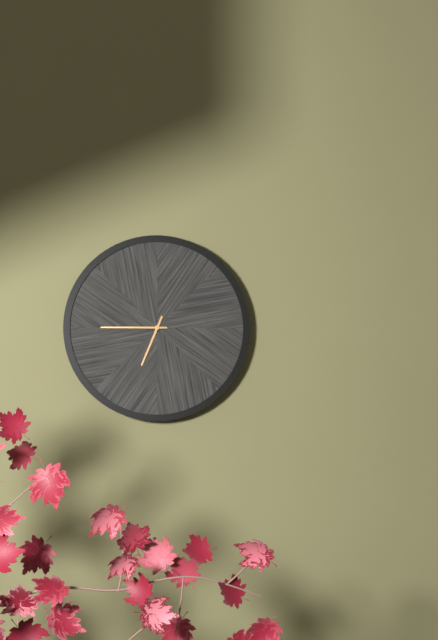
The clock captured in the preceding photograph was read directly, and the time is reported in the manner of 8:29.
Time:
6:45
